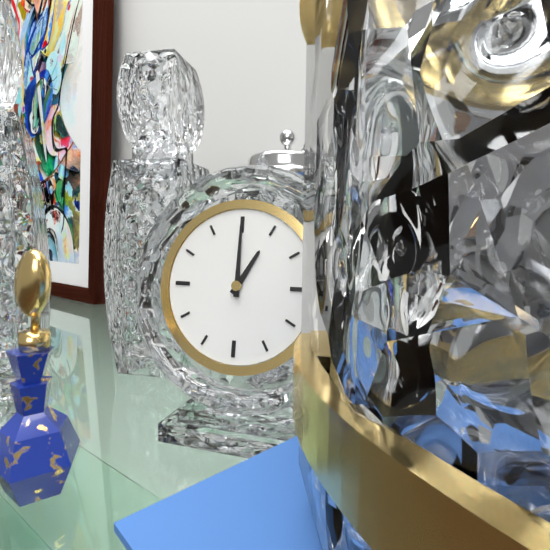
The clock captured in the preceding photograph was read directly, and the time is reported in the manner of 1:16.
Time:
1:00
